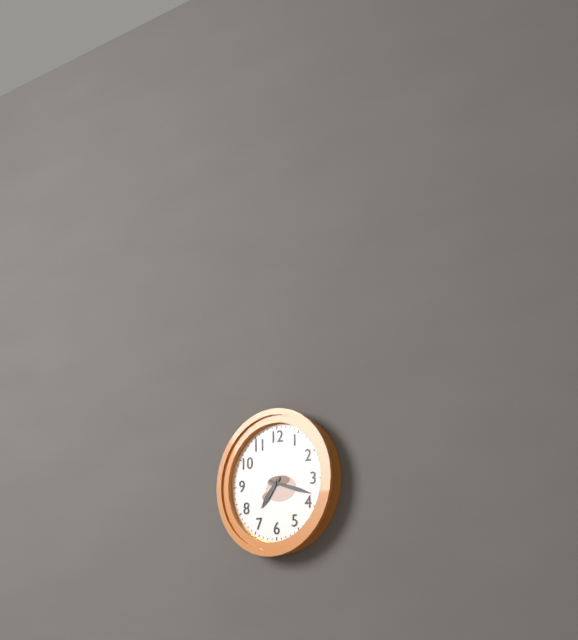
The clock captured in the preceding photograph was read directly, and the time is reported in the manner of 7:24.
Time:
7:18
